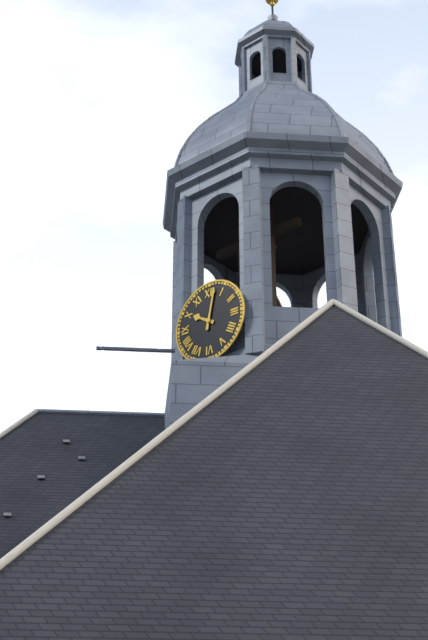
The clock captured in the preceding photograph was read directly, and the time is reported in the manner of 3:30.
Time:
10:02
